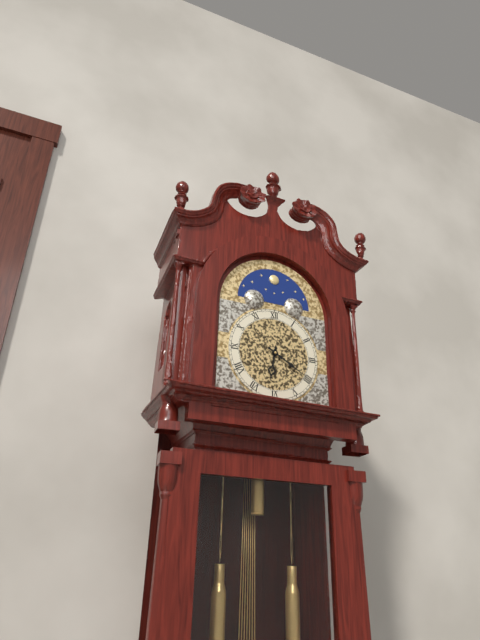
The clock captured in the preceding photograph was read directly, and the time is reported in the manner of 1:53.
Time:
6:20
